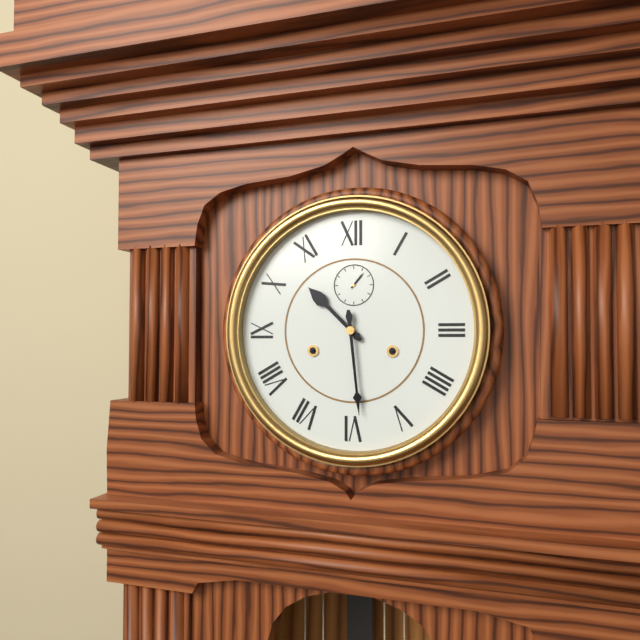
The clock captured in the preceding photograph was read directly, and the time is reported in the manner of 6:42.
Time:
10:29
